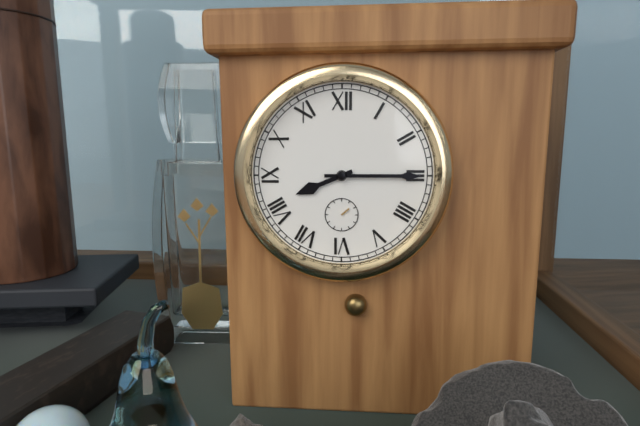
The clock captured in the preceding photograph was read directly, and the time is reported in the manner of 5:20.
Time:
8:15
